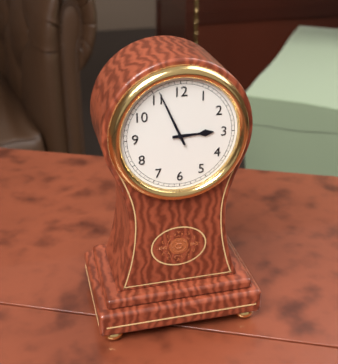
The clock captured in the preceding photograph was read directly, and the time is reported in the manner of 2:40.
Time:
2:56
